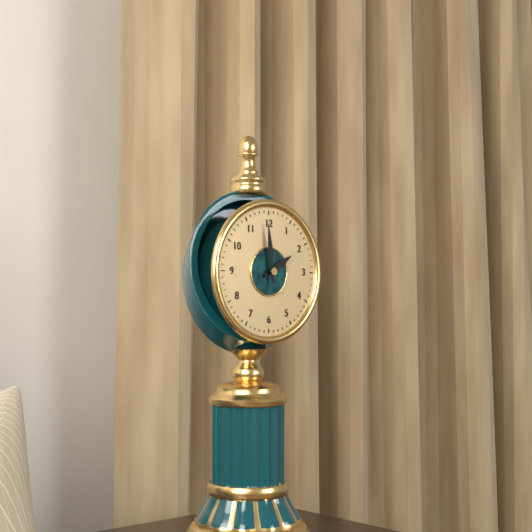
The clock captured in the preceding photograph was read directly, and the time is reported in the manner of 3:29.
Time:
1:59
